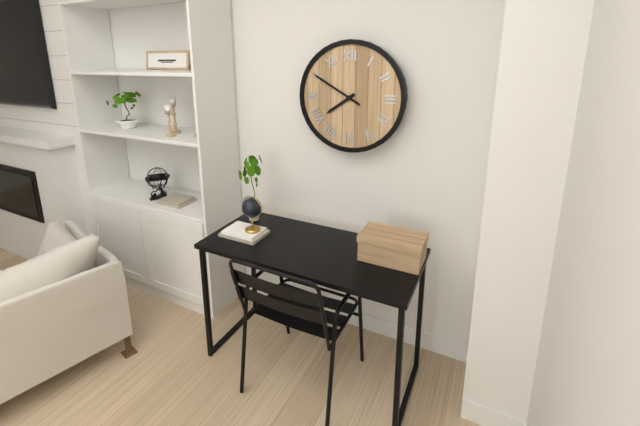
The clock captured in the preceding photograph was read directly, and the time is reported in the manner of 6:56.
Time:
7:50
